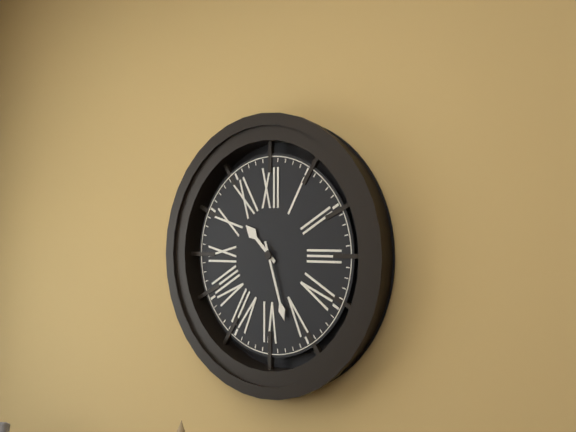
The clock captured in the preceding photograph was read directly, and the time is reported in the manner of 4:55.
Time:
10:27
